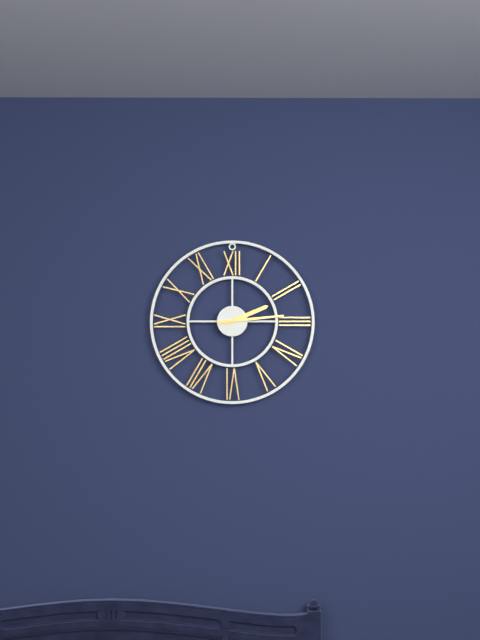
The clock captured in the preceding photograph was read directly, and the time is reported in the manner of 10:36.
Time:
2:14
